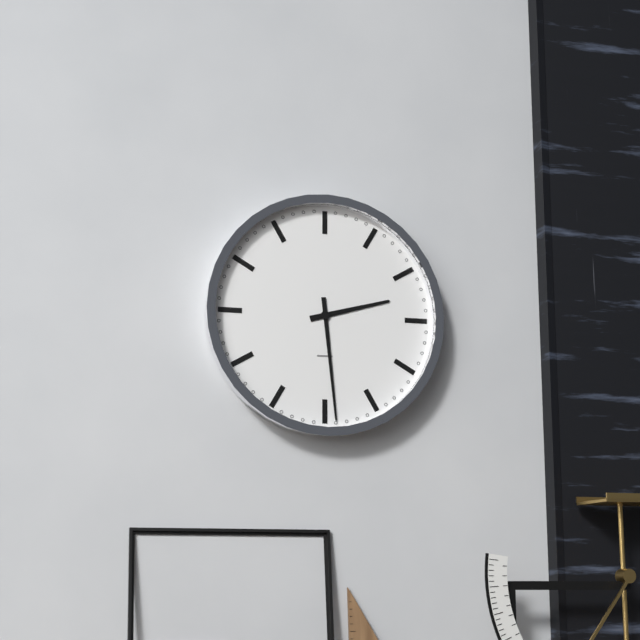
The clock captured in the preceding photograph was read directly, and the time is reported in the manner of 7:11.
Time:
2:29
